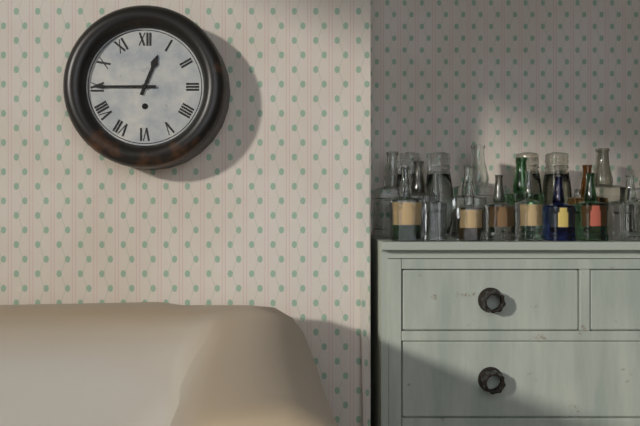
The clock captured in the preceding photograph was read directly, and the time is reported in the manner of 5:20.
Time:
12:45
